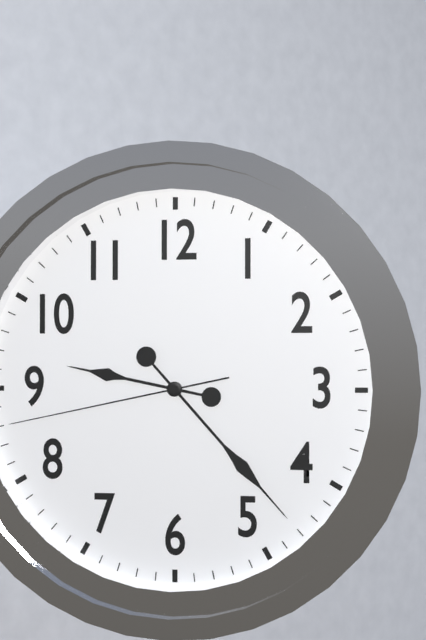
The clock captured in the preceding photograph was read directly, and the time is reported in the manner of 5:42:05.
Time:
9:23:43
